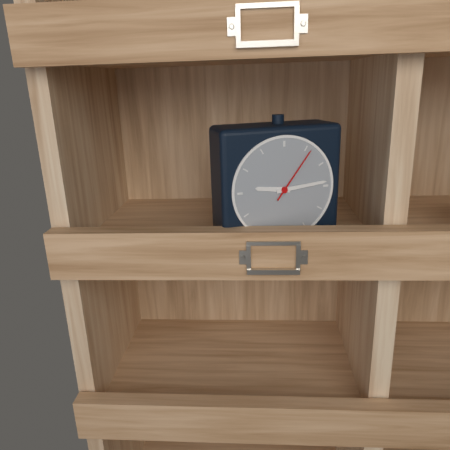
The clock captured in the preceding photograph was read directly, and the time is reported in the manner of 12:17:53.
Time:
9:14:06
